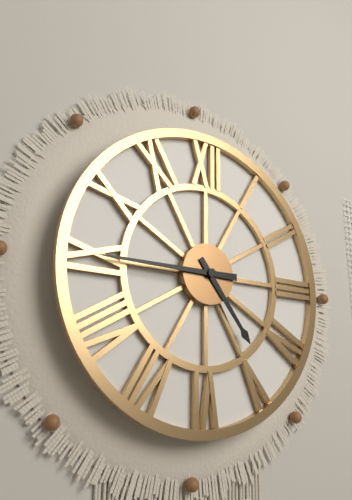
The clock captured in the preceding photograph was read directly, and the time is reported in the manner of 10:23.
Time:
4:45
